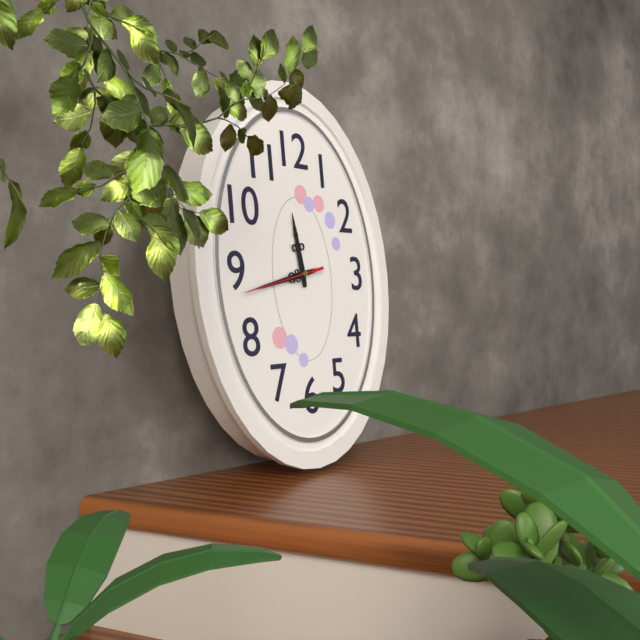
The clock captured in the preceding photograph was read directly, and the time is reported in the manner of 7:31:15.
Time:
11:43:43
